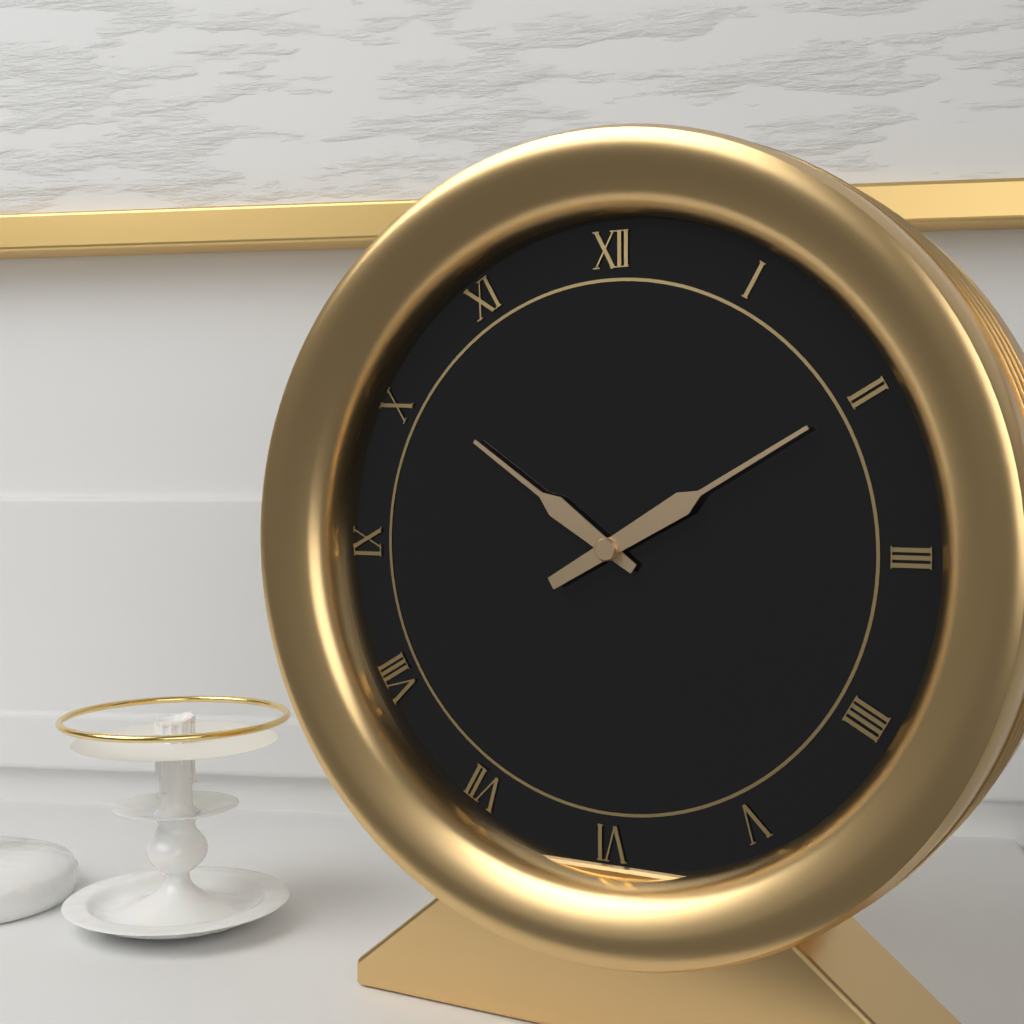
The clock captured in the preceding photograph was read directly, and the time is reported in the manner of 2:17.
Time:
10:10
